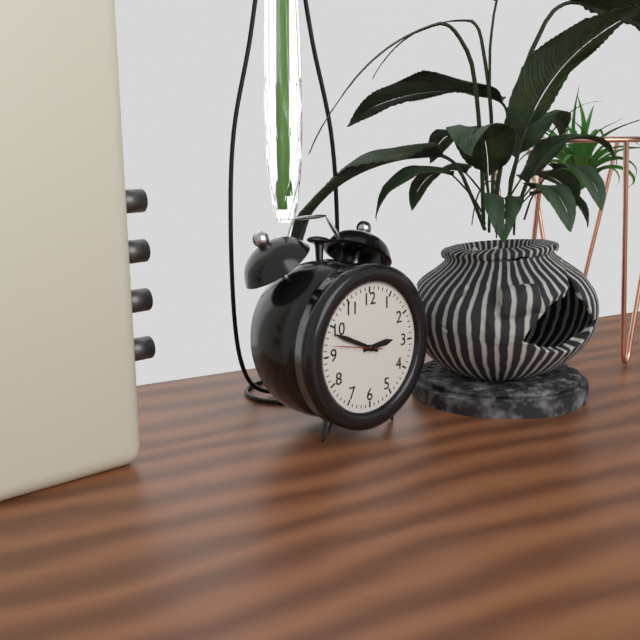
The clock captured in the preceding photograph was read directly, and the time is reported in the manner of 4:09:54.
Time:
2:49:47
